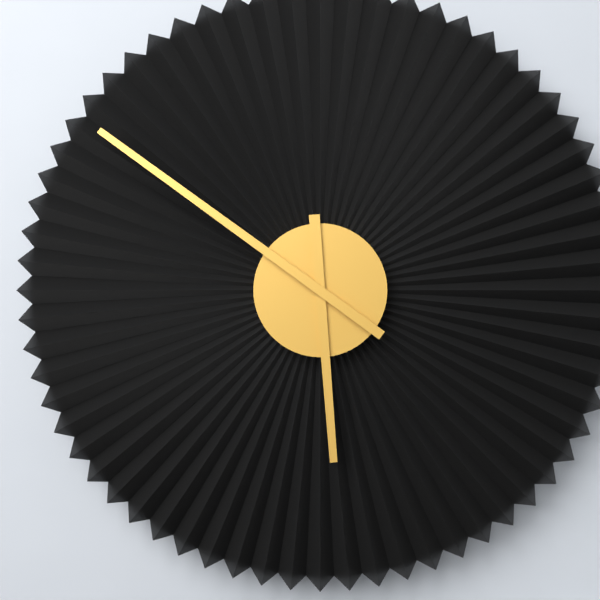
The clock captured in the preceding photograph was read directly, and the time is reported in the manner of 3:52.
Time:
5:51
